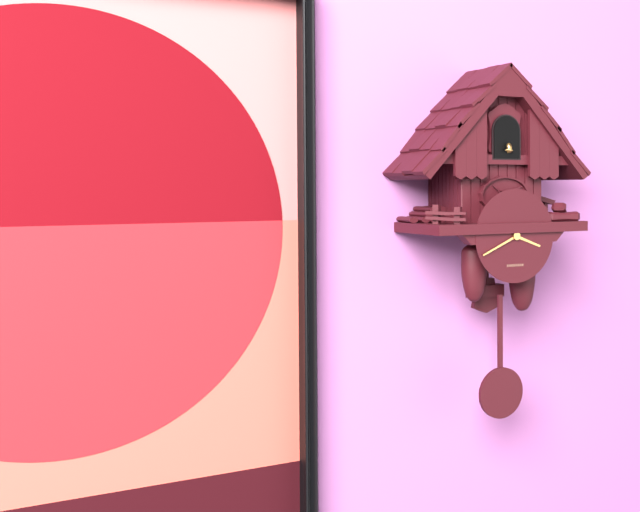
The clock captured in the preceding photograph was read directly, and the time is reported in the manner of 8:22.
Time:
3:41
